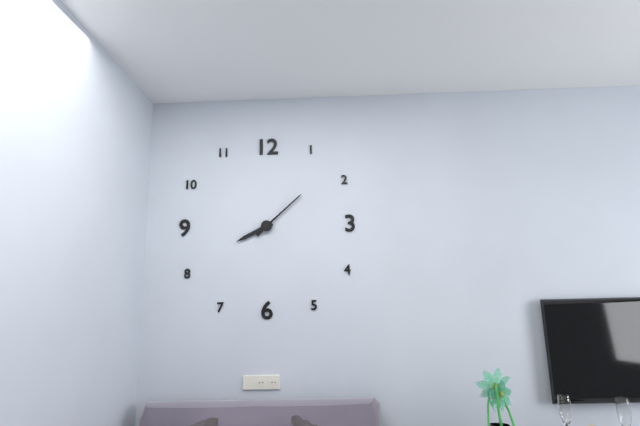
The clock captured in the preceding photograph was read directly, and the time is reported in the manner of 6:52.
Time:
8:08
